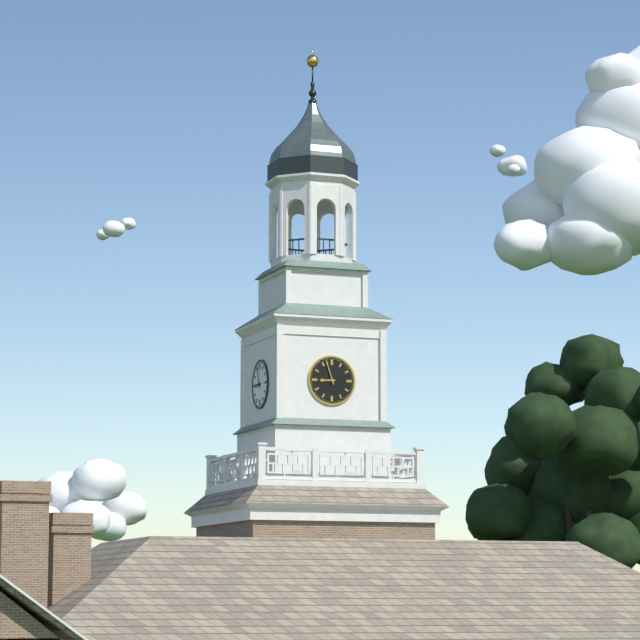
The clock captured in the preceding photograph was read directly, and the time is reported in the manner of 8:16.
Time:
8:57
